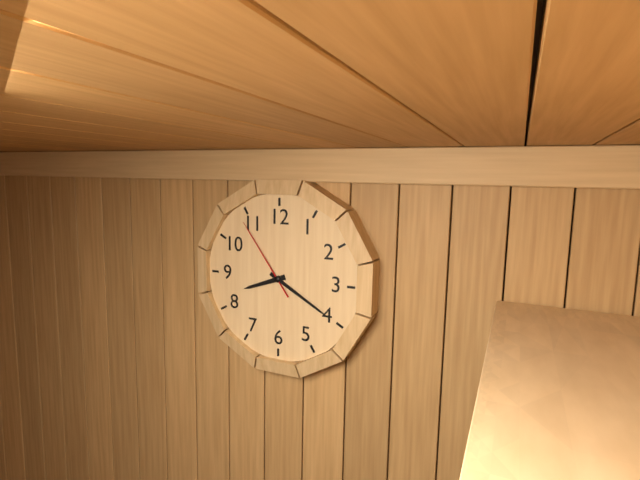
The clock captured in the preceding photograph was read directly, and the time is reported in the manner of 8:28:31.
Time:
8:20:54
